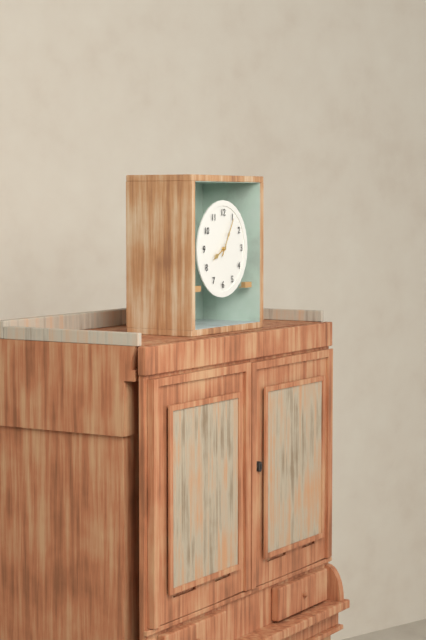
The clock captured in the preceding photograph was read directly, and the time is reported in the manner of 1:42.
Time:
8:05
